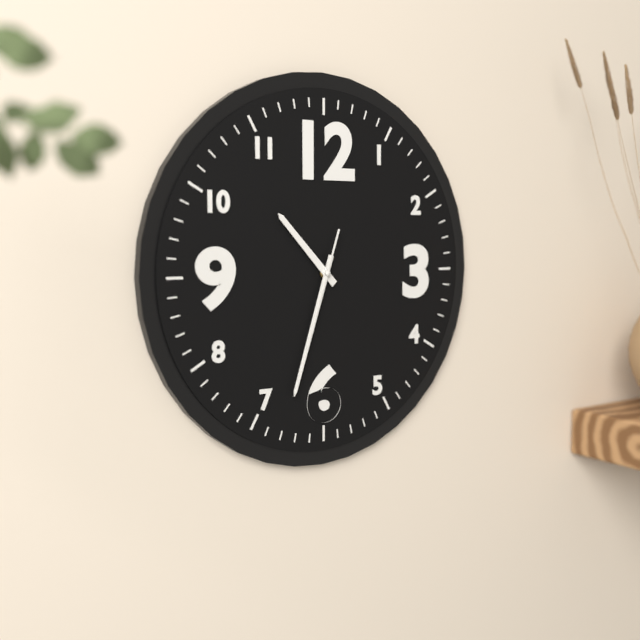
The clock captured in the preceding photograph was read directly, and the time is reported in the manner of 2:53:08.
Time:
10:33:33
